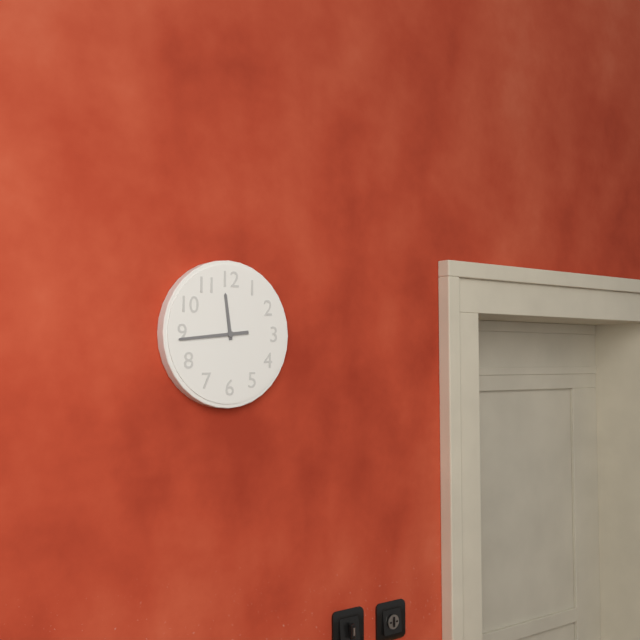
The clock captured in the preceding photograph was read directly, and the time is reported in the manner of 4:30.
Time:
11:44
